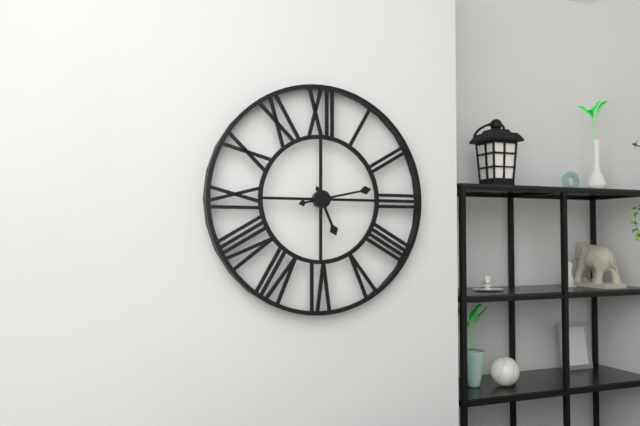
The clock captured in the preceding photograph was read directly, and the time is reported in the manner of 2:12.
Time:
5:13
